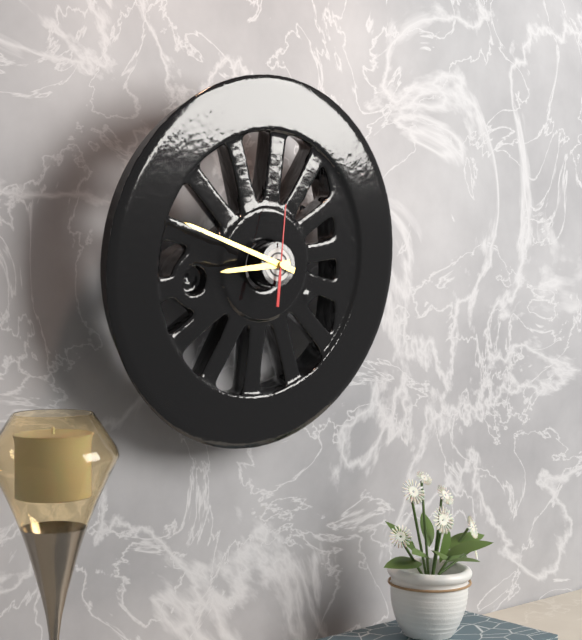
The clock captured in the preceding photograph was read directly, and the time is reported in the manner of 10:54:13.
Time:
8:48:01
